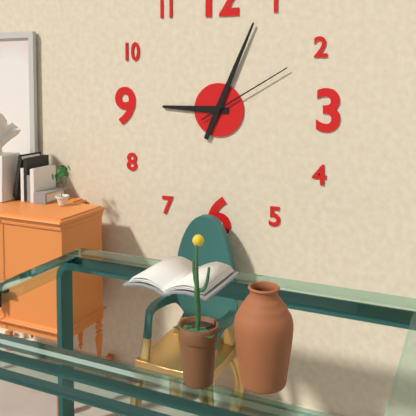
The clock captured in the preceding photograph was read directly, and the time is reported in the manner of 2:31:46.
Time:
9:04:10
